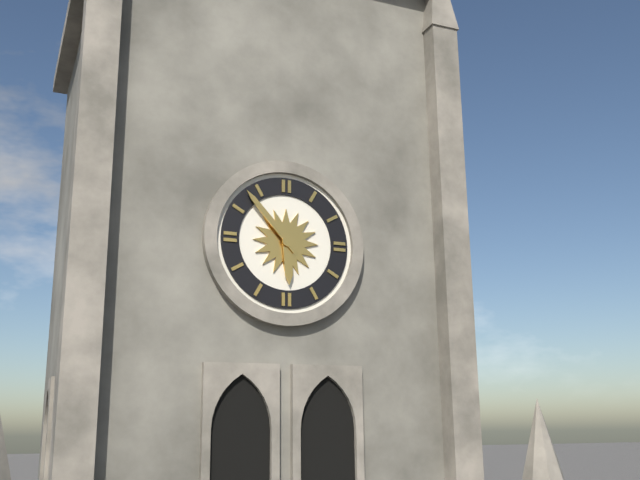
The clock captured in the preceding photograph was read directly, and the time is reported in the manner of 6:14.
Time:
5:53
